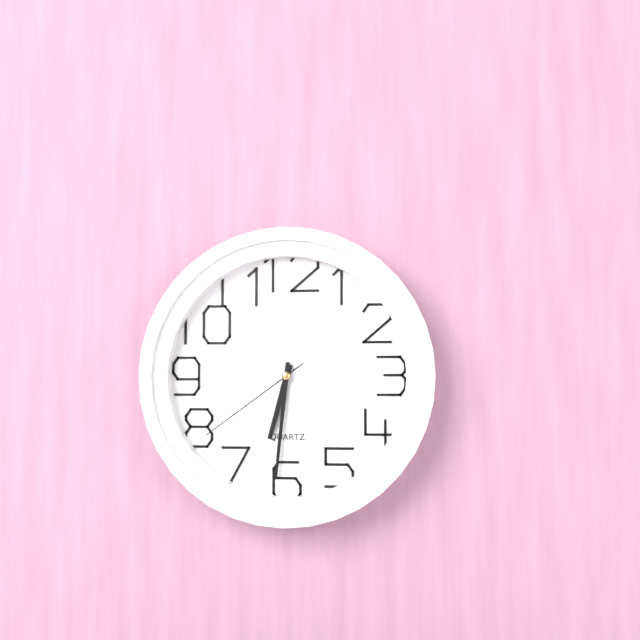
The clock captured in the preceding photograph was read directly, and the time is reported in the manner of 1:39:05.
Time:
6:31:39
